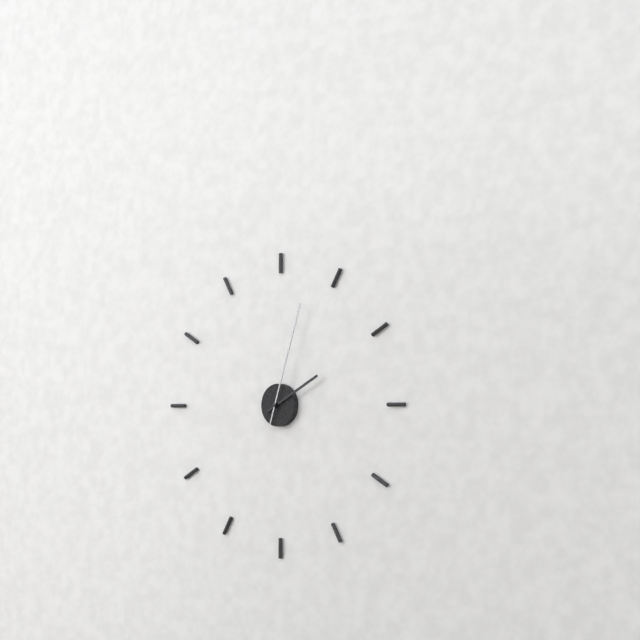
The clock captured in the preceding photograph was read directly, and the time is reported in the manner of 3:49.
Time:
2:03
